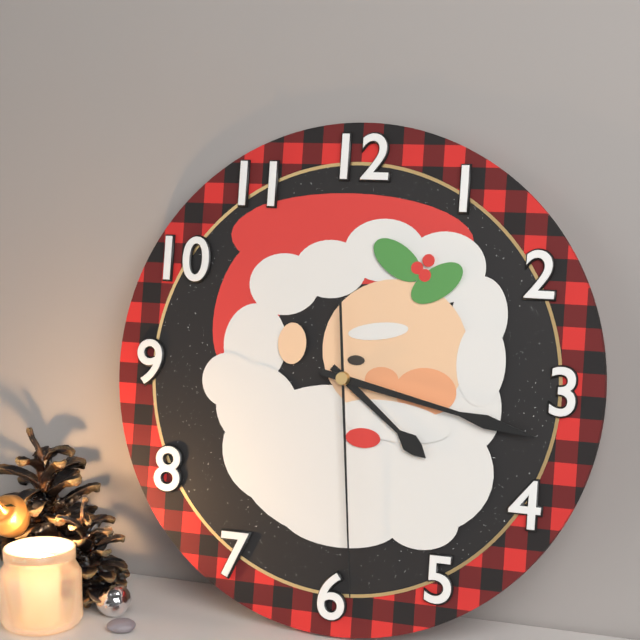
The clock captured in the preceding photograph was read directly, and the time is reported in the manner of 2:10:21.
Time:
4:17:29
